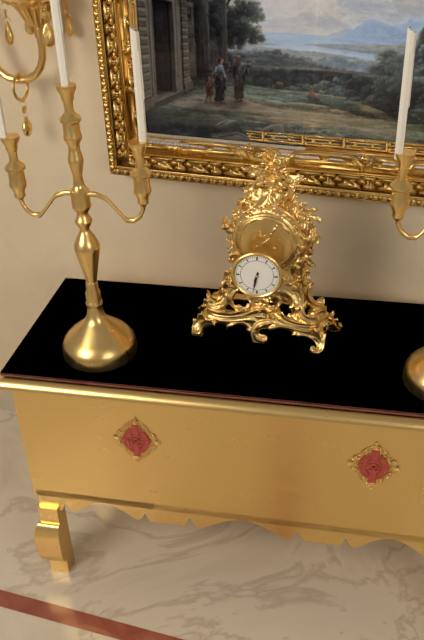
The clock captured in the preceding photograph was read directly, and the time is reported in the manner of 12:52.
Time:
6:32
